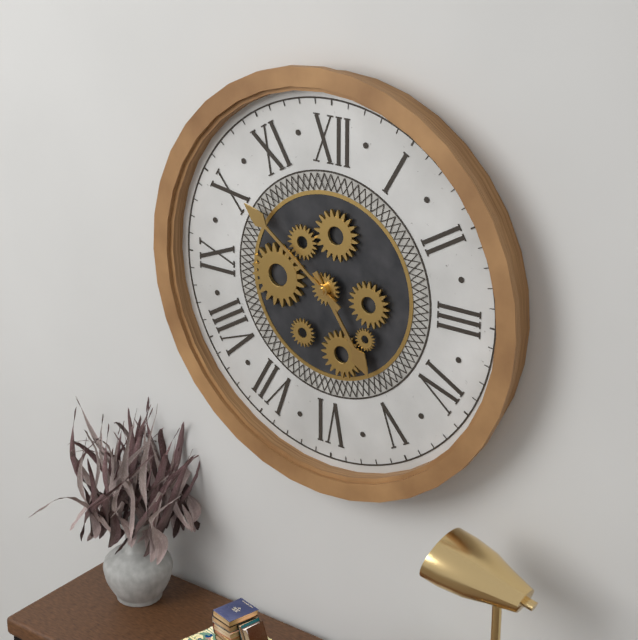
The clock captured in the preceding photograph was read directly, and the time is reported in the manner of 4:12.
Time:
4:51
